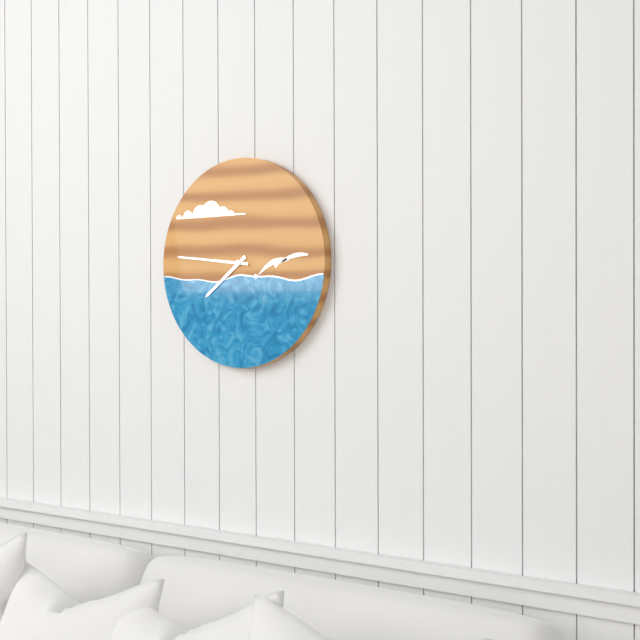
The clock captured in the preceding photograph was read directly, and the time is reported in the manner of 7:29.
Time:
7:46
